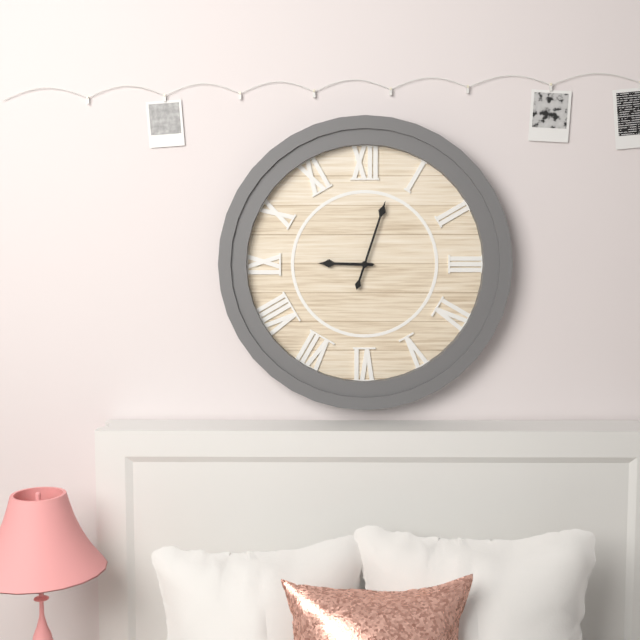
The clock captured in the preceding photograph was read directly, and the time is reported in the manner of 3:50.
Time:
9:03
